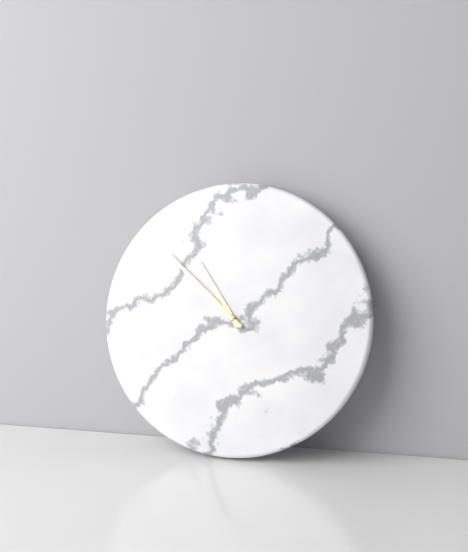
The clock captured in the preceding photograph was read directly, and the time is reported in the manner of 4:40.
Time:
10:52
